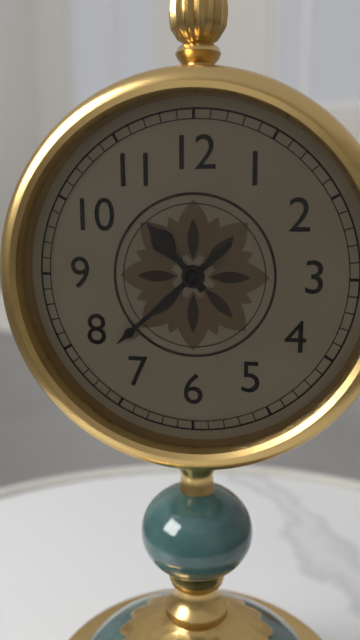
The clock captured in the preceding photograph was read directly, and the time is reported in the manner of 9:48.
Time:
10:38
